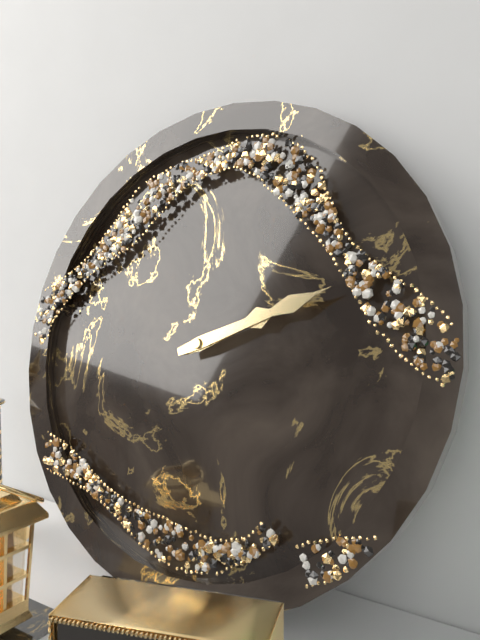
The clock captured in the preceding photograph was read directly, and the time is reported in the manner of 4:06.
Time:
2:11
